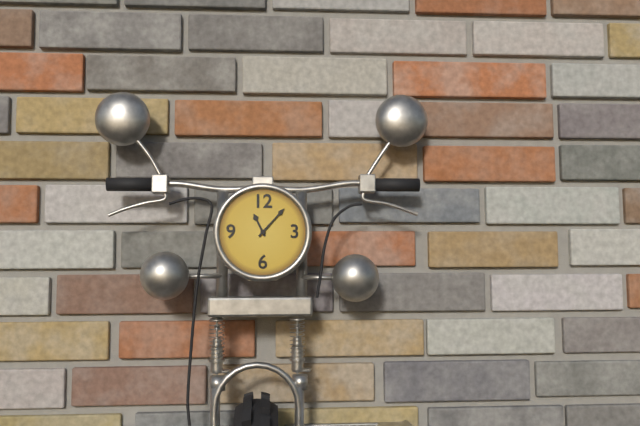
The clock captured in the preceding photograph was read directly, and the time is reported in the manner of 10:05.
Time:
11:07
